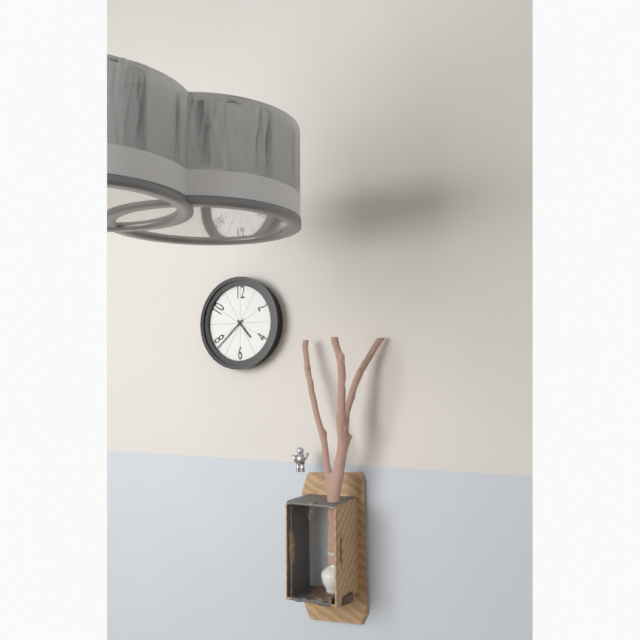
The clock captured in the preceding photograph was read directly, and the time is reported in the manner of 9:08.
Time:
4:38
